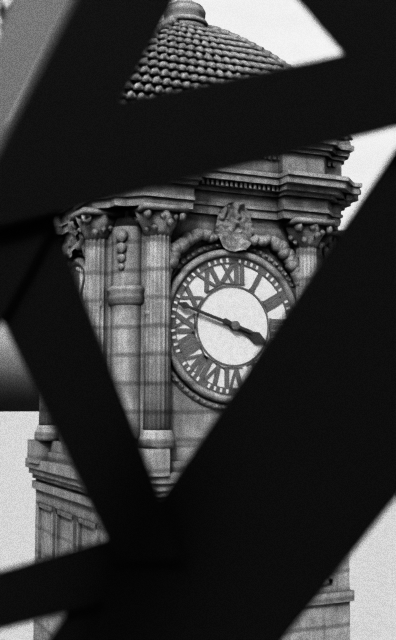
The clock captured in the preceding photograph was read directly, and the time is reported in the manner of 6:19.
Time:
3:48
